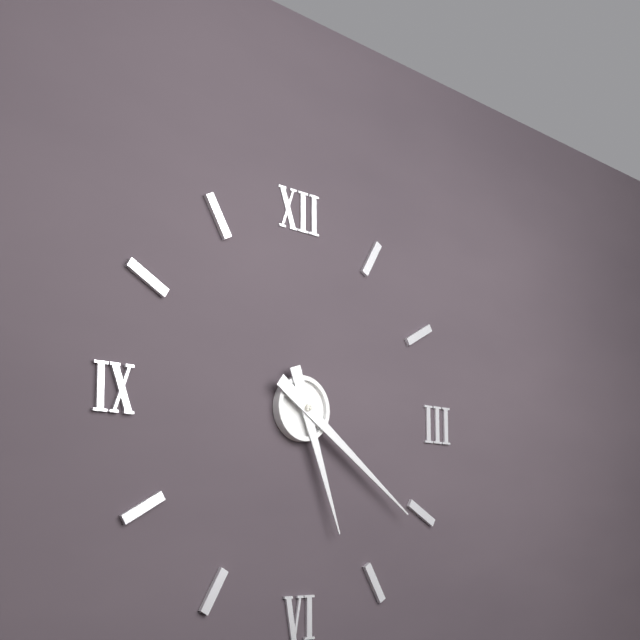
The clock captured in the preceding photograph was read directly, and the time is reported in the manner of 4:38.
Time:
5:21
